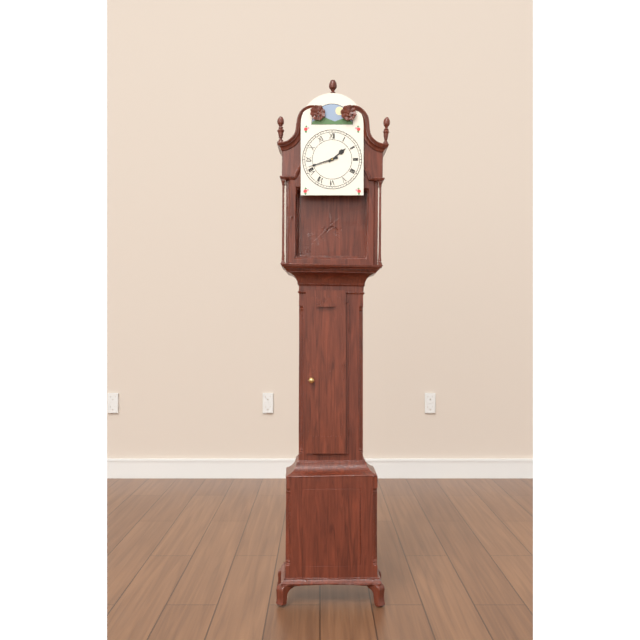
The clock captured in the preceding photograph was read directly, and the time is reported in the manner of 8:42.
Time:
1:42
